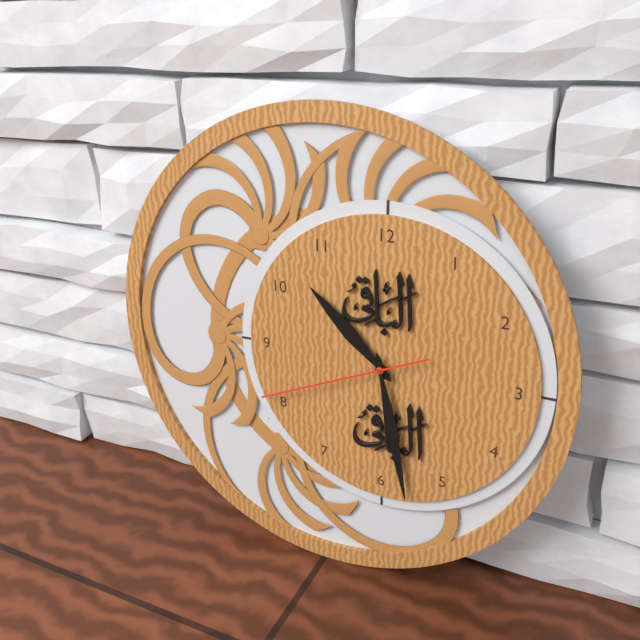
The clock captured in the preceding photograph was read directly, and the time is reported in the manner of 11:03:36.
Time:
10:28:41
